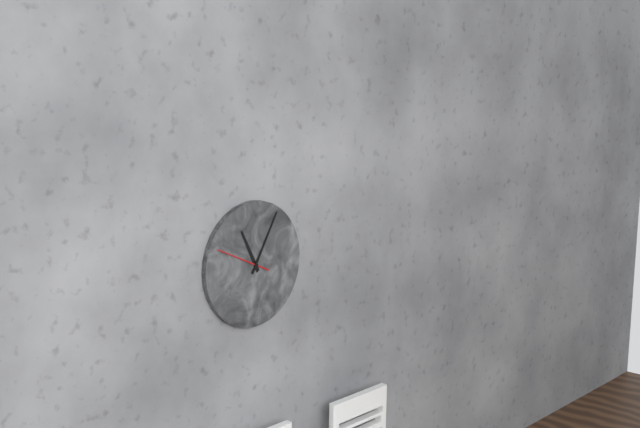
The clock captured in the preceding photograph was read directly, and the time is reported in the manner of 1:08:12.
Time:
11:05:49
